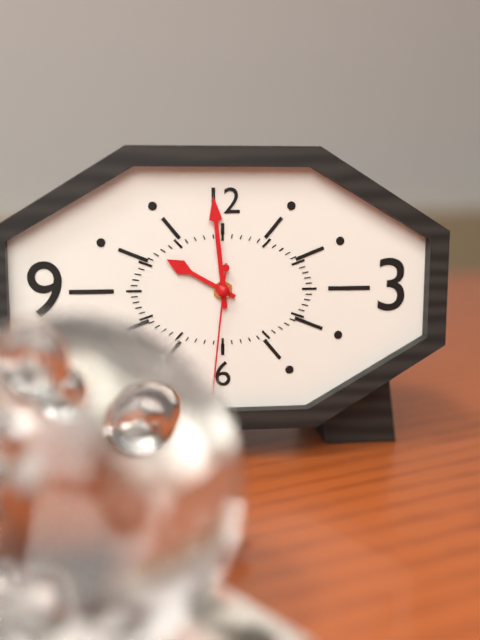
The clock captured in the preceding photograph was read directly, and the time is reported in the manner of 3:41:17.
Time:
9:59:31
